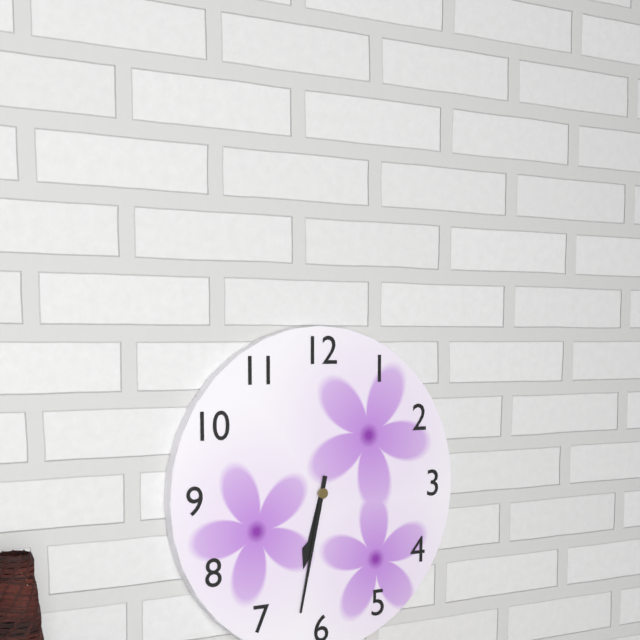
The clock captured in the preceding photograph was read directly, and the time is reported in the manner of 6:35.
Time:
6:32
